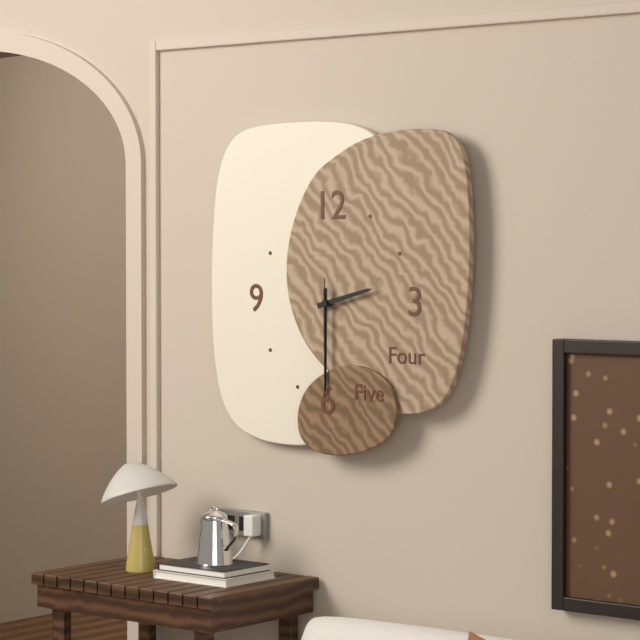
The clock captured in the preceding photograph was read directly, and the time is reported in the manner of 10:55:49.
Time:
2:30:30
